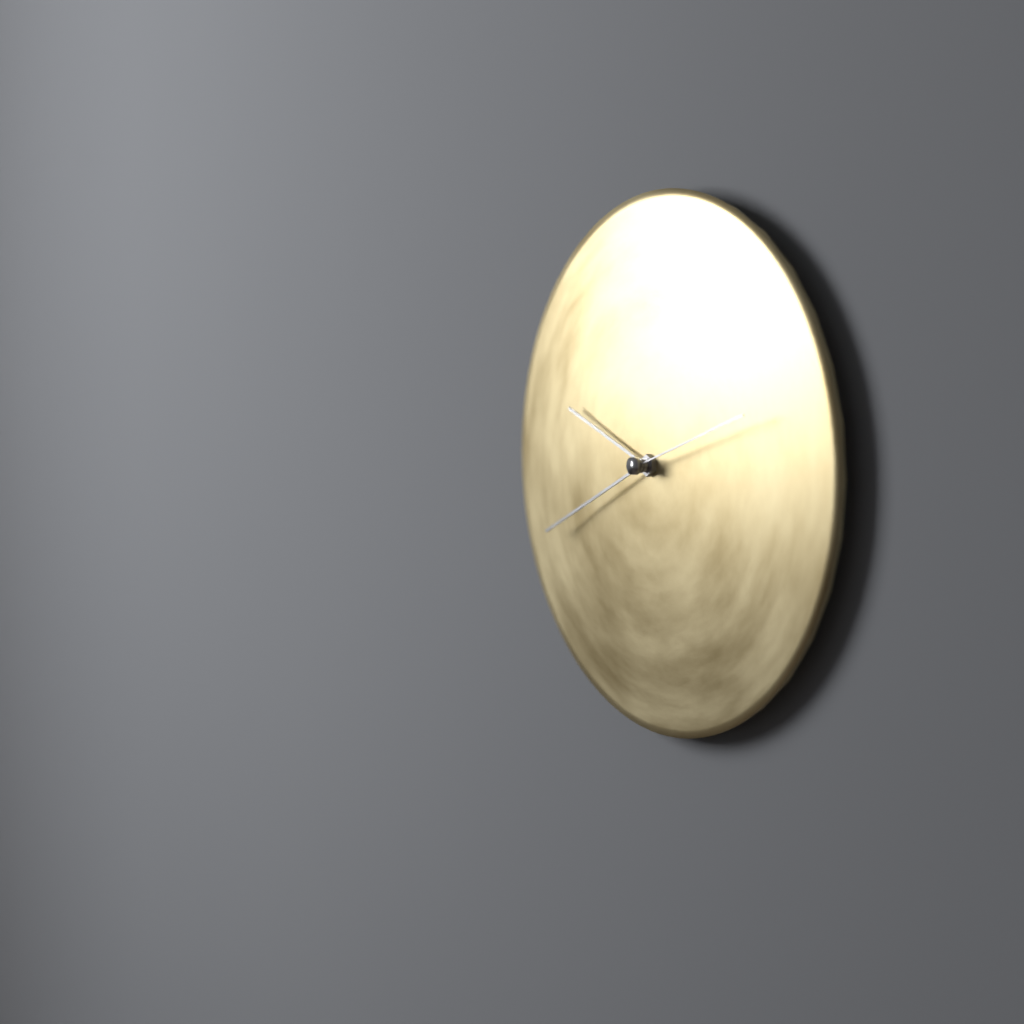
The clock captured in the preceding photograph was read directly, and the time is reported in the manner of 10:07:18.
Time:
9:41:12
